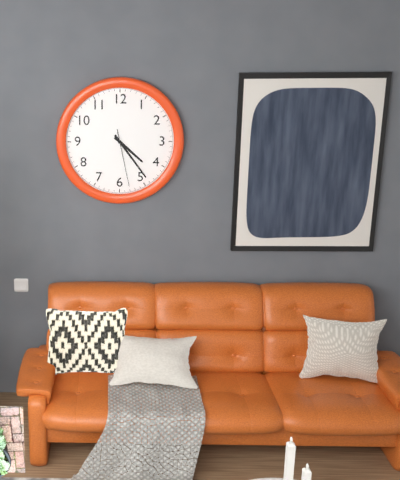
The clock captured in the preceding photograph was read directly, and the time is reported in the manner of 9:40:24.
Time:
4:24:28
